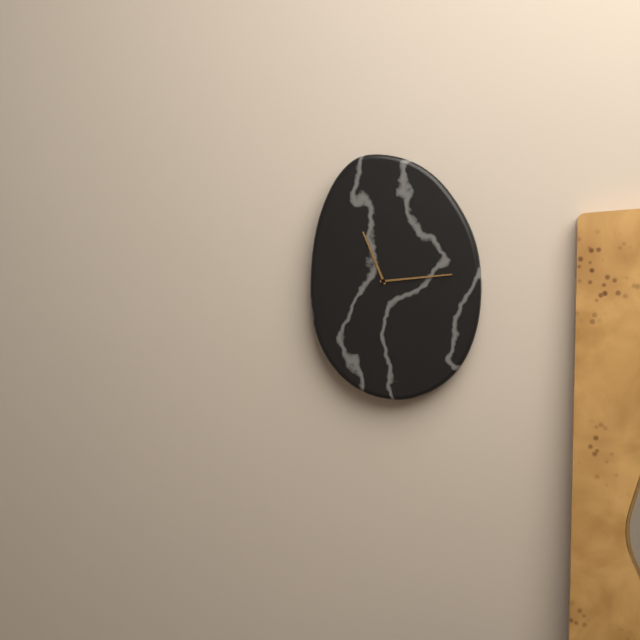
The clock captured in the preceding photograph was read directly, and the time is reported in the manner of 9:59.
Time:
11:14
